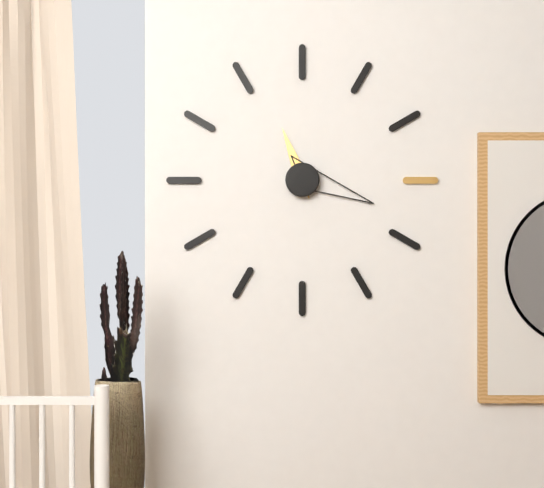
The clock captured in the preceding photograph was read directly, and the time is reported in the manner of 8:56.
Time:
11:18
